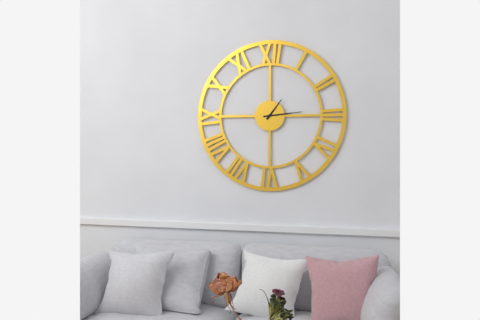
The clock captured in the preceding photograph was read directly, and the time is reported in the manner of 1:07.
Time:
1:14
